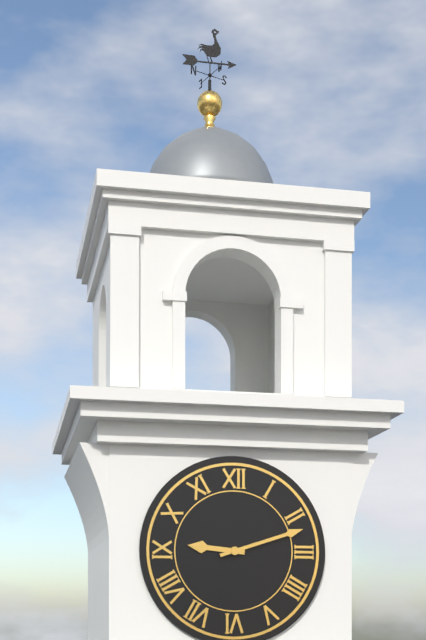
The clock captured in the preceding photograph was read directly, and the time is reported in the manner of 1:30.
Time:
9:12
